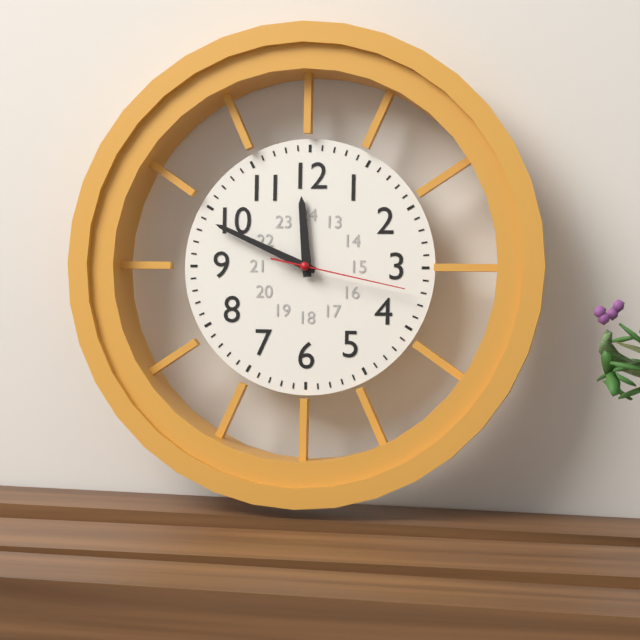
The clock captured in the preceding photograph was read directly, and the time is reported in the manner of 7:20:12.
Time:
11:49:17
